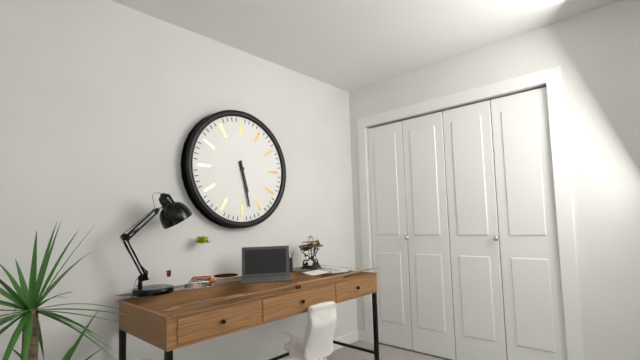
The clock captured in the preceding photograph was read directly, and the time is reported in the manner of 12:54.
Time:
5:28
